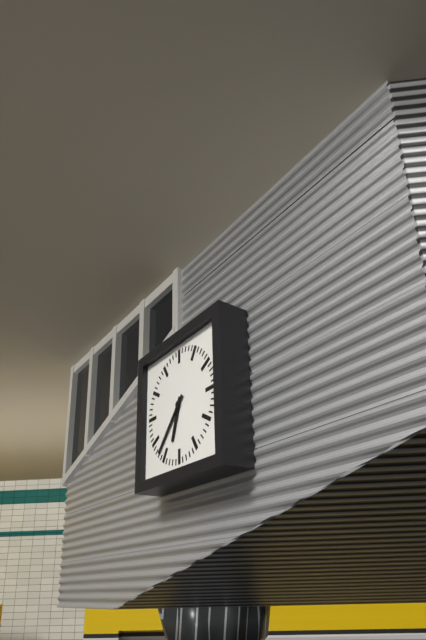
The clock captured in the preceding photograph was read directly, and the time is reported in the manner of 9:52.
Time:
6:37
